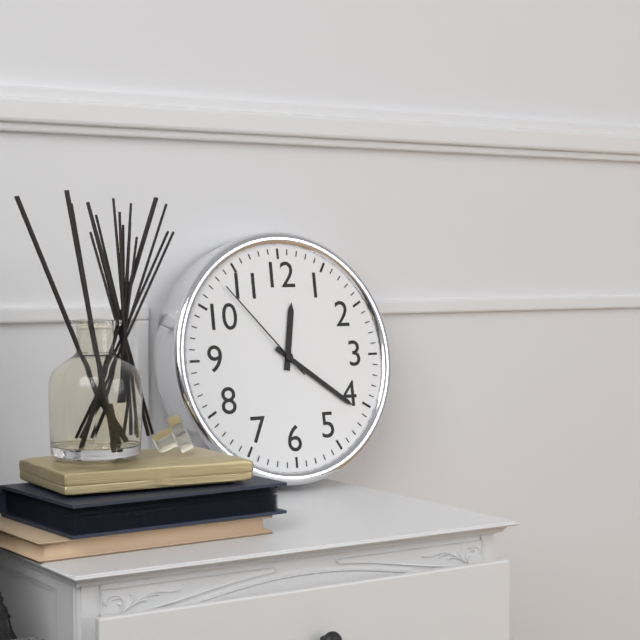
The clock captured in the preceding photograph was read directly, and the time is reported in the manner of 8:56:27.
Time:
12:21:53
